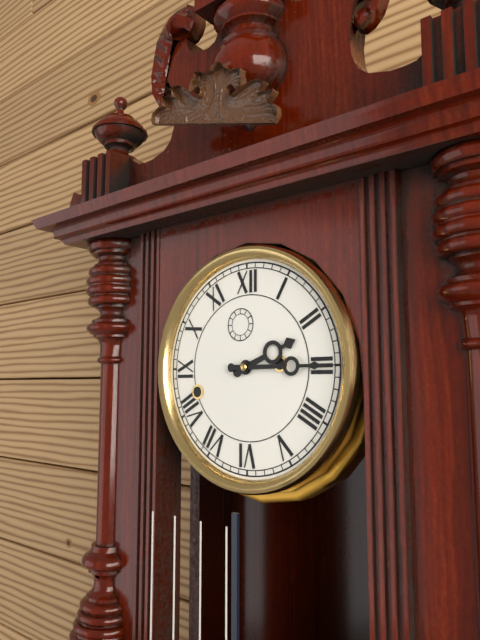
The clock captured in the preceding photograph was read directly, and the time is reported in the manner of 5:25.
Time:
2:15
